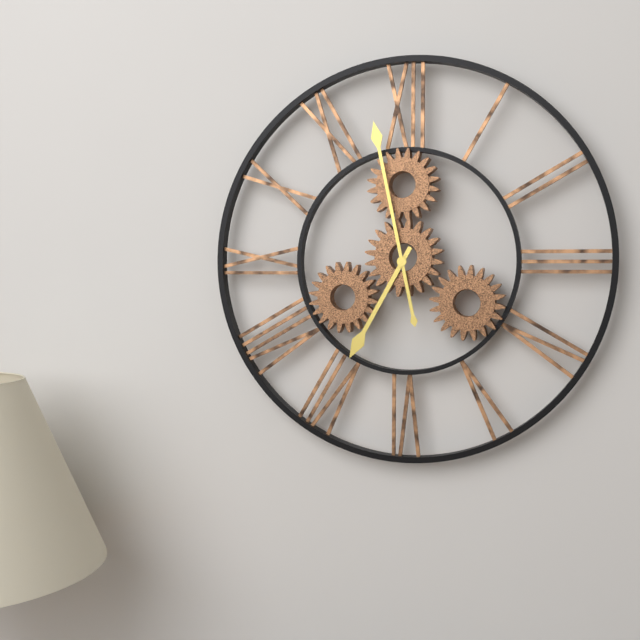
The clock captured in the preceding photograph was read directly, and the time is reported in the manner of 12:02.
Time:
6:58
